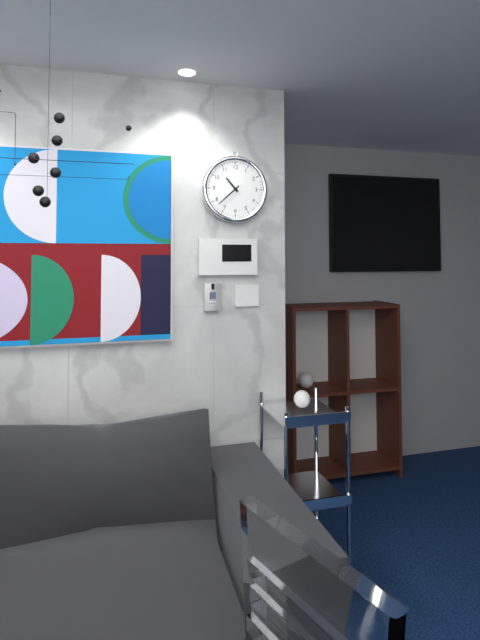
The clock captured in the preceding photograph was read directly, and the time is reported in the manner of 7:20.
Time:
10:38
